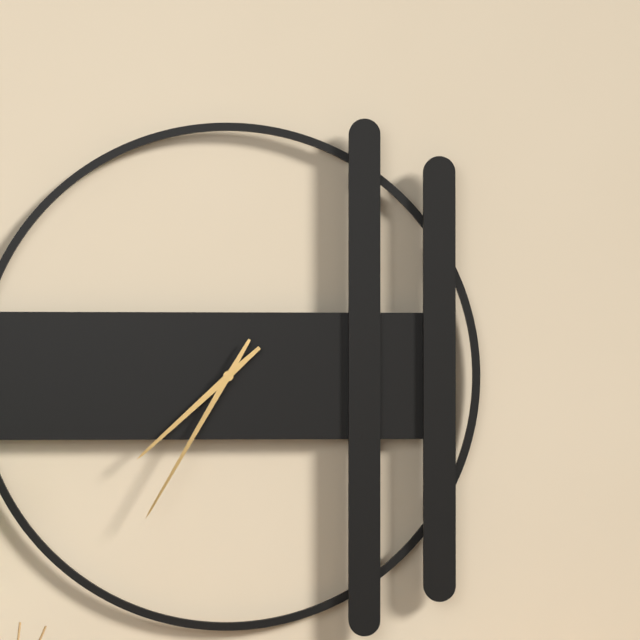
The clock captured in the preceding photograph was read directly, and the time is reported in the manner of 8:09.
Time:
7:35
